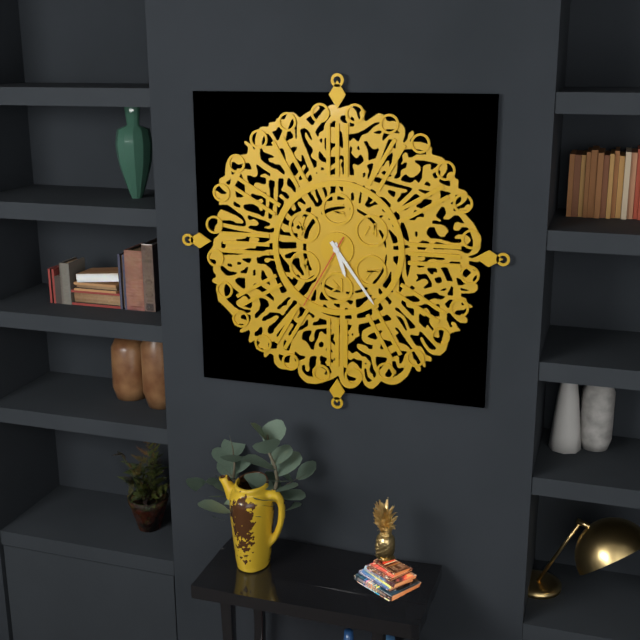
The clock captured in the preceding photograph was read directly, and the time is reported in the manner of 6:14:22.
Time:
5:24:35
